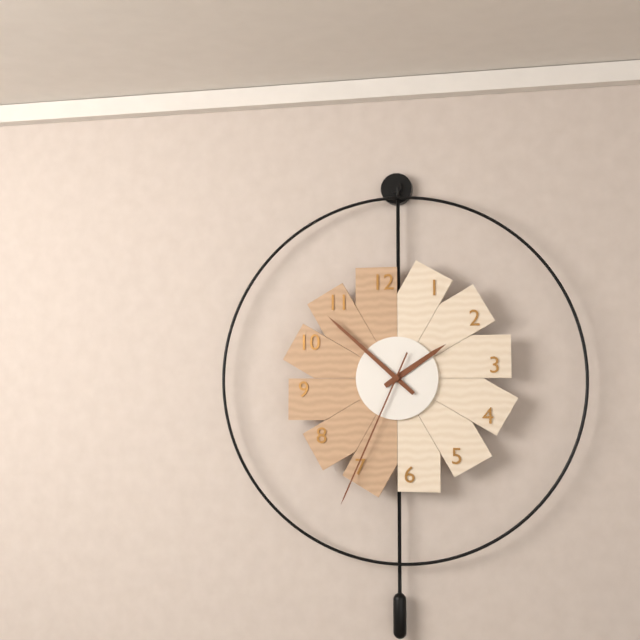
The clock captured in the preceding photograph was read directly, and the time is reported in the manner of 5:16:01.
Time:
1:52:34
